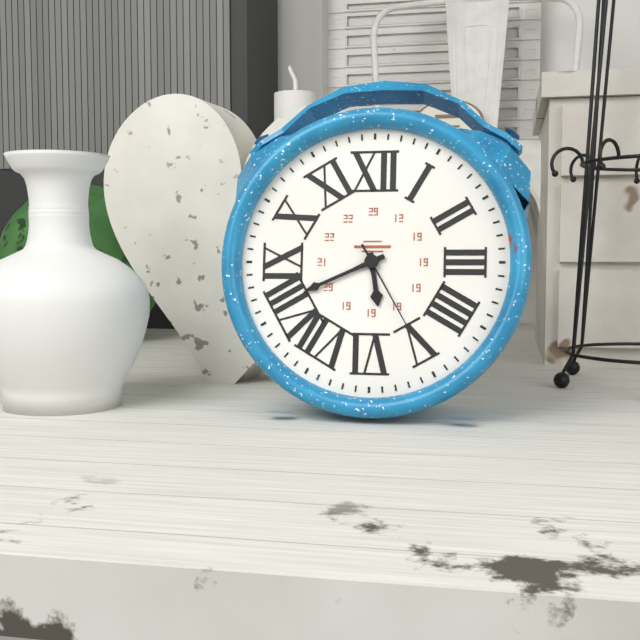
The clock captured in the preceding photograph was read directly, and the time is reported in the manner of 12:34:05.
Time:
5:41:25
